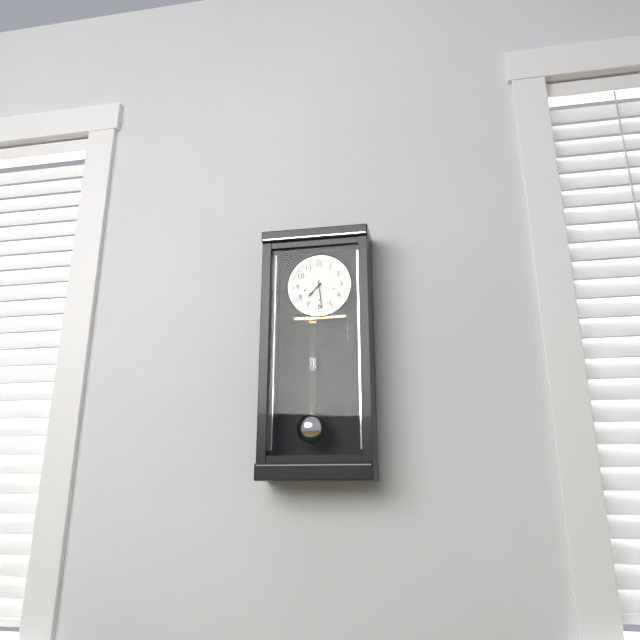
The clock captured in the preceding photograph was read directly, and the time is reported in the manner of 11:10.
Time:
7:29
